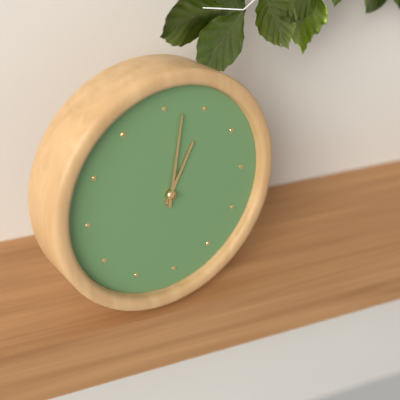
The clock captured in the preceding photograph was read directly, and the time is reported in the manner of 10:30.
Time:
1:02
